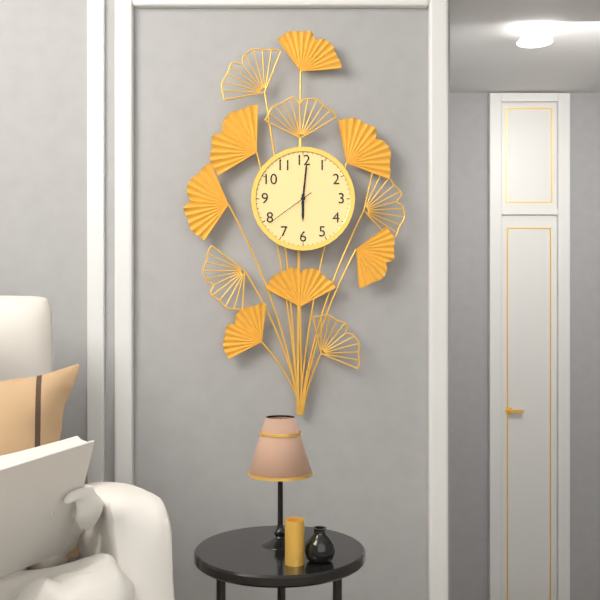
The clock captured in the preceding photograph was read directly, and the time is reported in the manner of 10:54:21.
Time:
6:01:39
